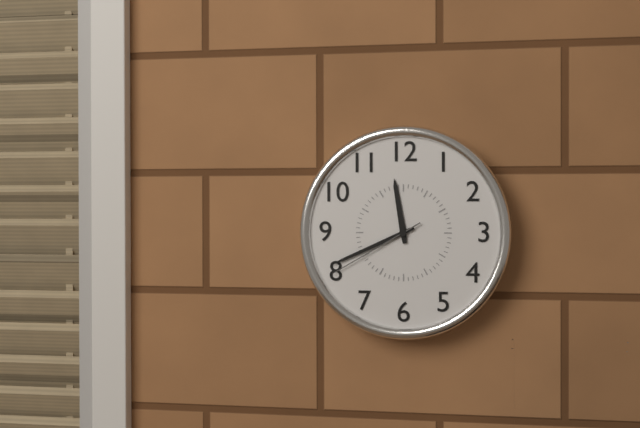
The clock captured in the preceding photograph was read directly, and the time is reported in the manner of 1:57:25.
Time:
11:41:40
